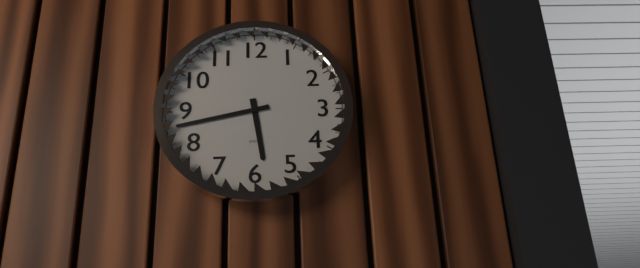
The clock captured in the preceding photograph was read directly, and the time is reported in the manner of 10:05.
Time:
5:43
